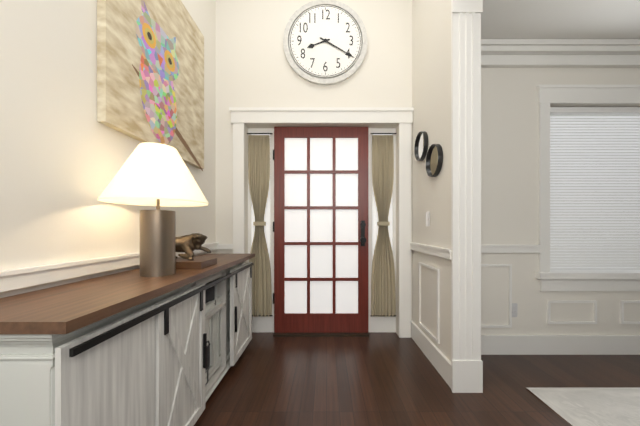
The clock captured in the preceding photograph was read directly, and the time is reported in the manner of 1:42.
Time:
8:20
